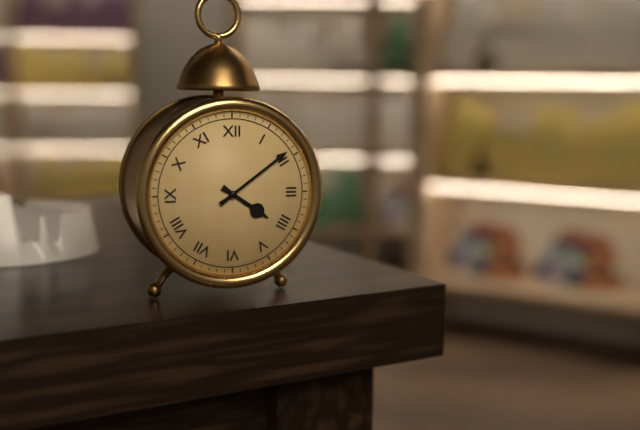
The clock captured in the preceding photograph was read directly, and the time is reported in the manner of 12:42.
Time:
4:09
